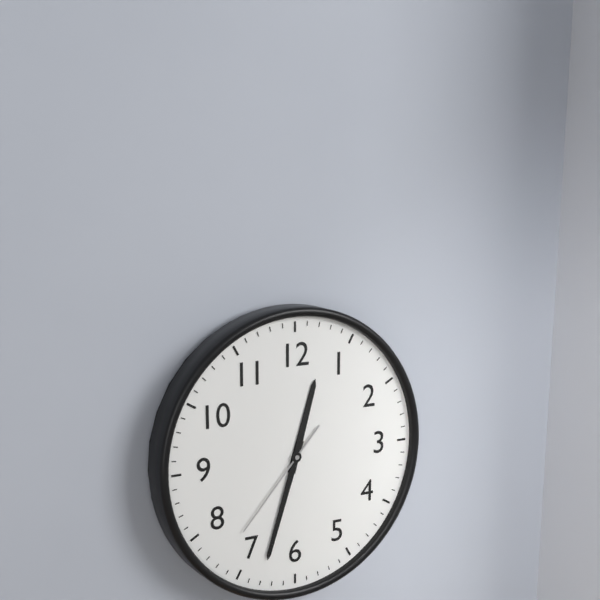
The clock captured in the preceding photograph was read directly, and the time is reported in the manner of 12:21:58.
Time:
12:33:37
